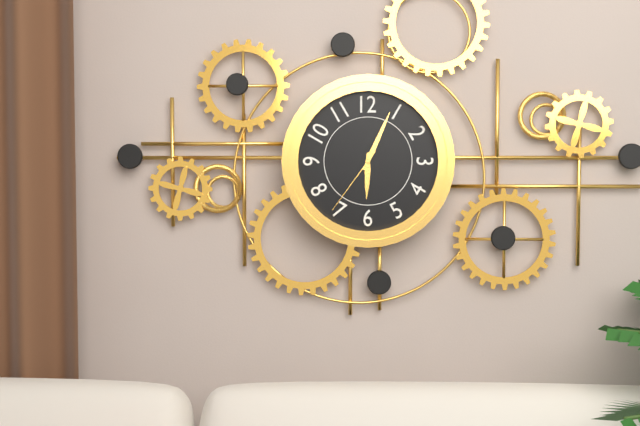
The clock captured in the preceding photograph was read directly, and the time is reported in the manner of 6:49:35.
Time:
6:04:36
